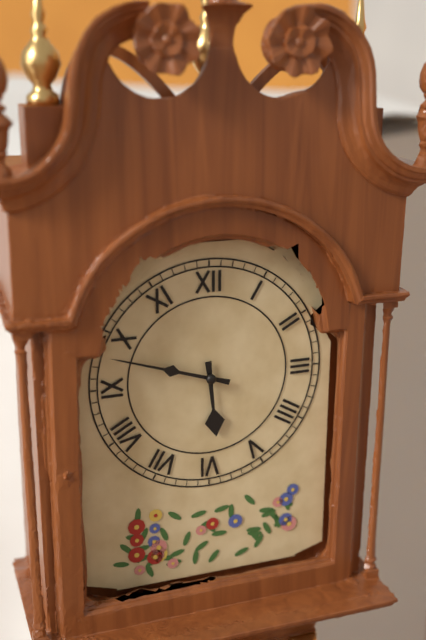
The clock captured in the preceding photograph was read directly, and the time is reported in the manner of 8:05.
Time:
5:48
